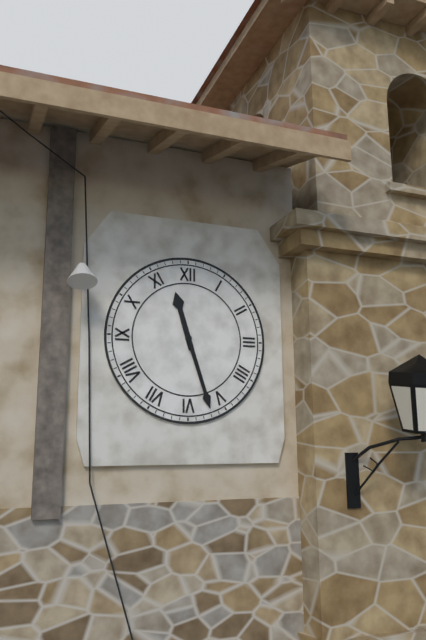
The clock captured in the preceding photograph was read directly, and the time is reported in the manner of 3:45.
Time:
11:27
